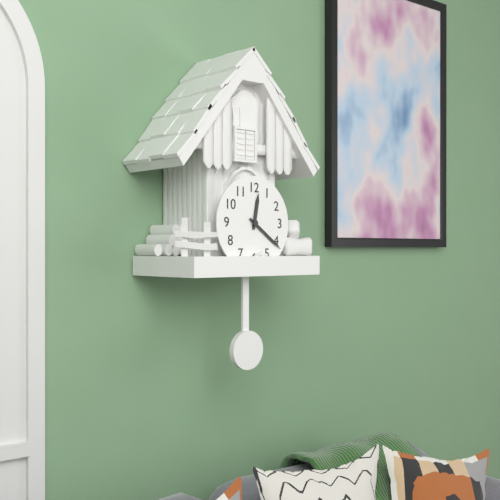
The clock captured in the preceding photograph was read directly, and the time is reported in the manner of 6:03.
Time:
12:21
